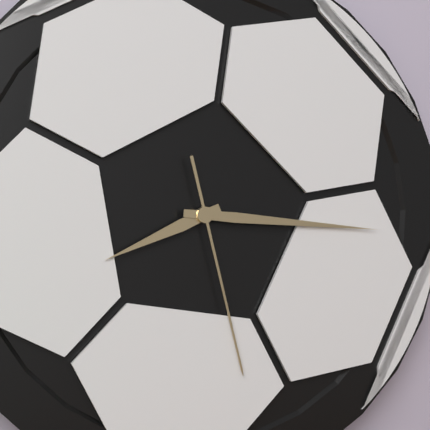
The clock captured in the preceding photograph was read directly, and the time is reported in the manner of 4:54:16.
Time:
8:16:28
